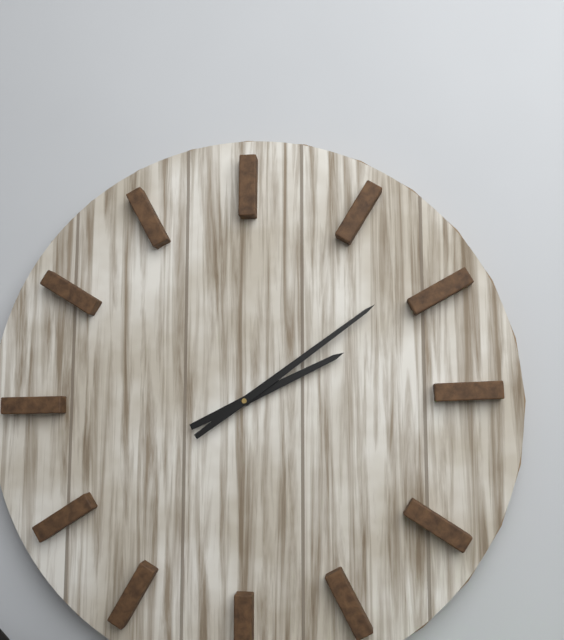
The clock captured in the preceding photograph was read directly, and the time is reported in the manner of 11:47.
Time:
2:09
